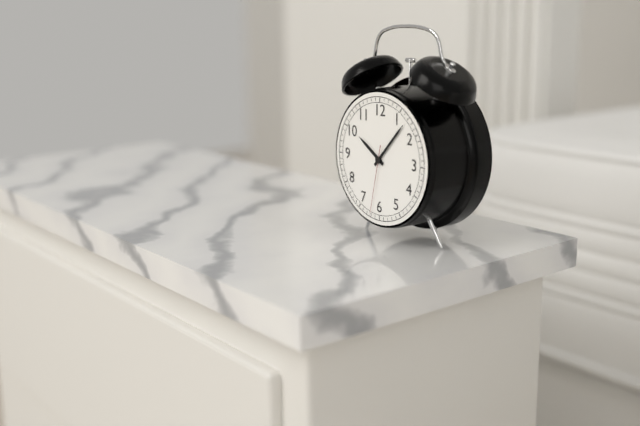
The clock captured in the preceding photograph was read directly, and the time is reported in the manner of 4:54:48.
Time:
10:07:32
